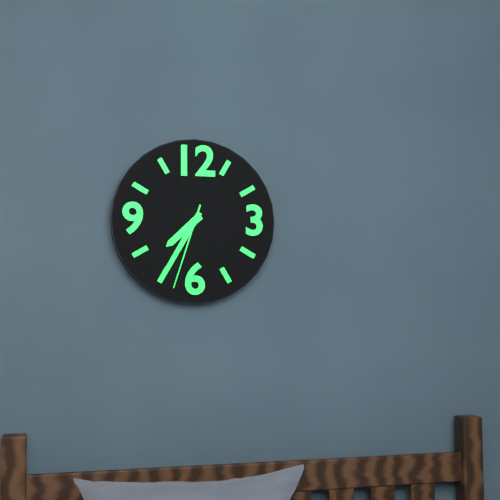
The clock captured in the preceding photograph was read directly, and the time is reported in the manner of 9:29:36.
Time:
7:35:33
